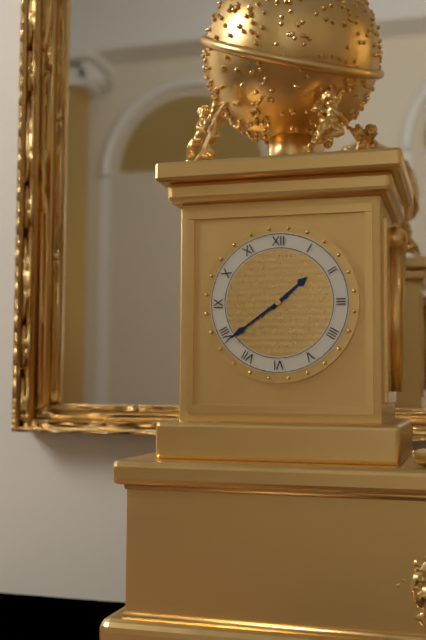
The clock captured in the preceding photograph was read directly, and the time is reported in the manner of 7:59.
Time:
1:39
